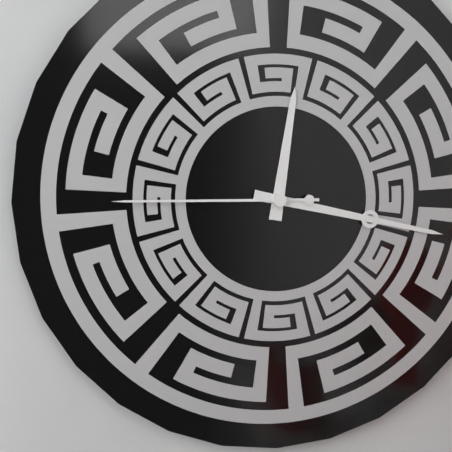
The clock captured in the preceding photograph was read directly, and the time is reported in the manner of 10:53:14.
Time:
12:17:45
